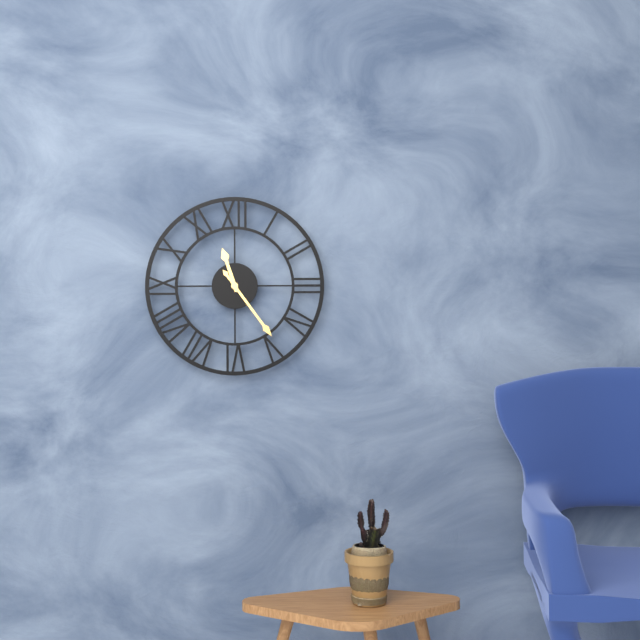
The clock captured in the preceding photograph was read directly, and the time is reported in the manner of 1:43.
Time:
11:24
